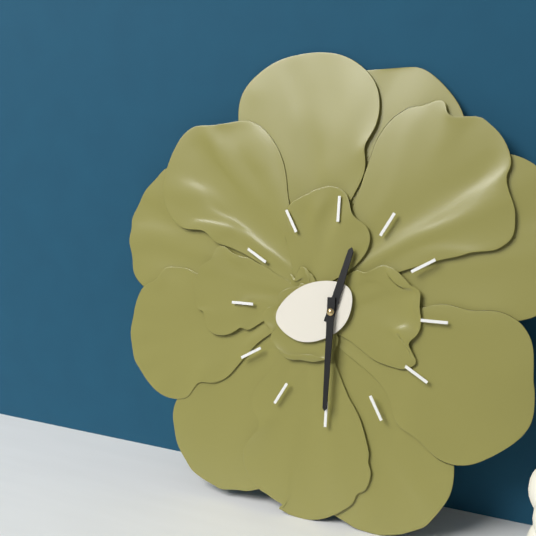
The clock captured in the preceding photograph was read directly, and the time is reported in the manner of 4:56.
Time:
12:30
